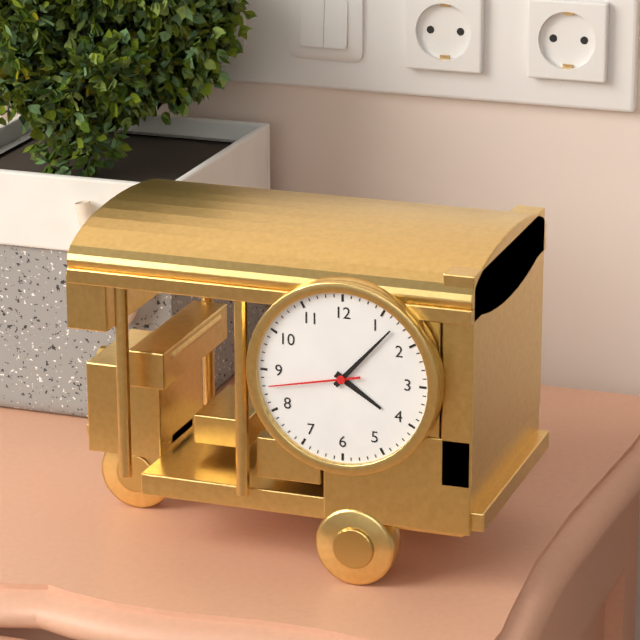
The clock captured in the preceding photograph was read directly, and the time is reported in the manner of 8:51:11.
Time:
4:07:43
